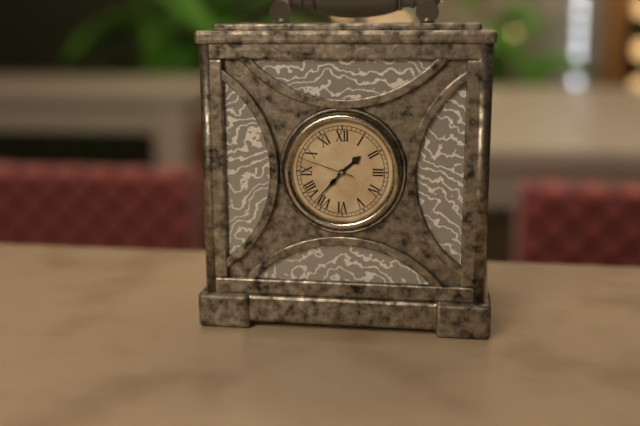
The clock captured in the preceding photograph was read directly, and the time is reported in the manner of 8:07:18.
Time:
1:37:48
